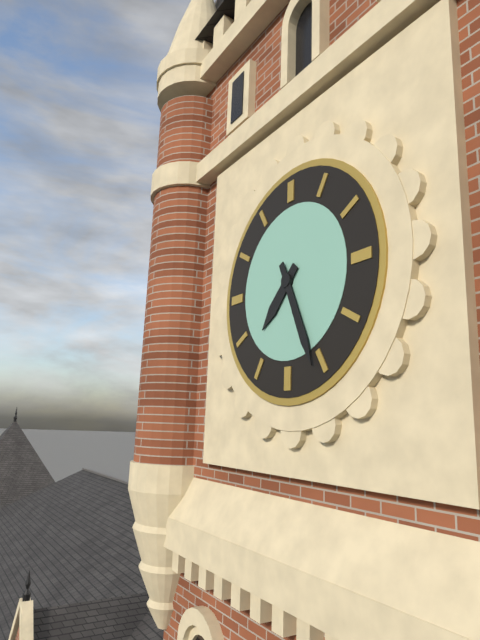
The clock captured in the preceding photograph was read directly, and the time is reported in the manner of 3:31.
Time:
7:26
